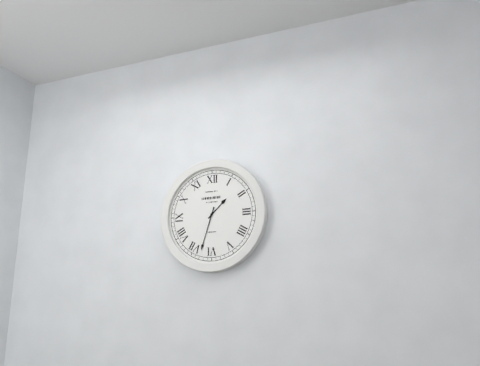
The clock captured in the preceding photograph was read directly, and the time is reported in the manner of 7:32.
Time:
1:33
